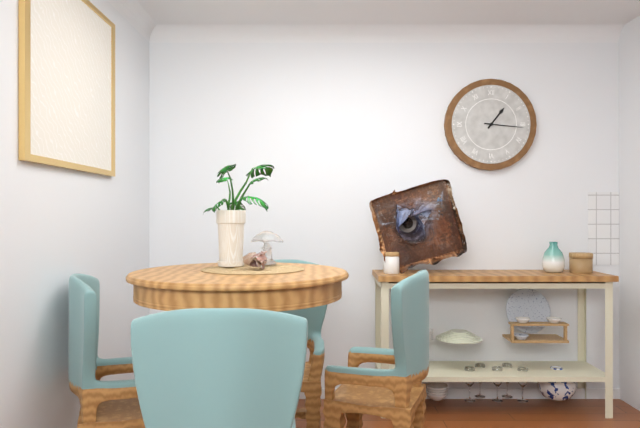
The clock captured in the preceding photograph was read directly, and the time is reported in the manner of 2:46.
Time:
1:16
